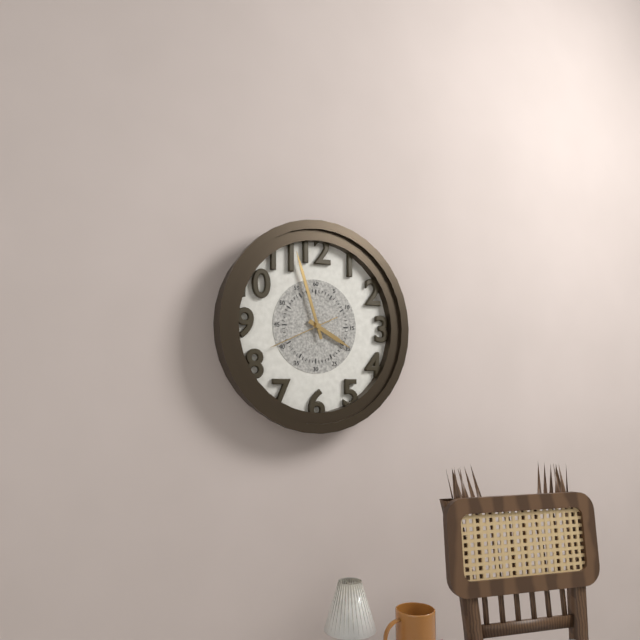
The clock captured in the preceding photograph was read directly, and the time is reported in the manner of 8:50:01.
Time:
3:57:41
